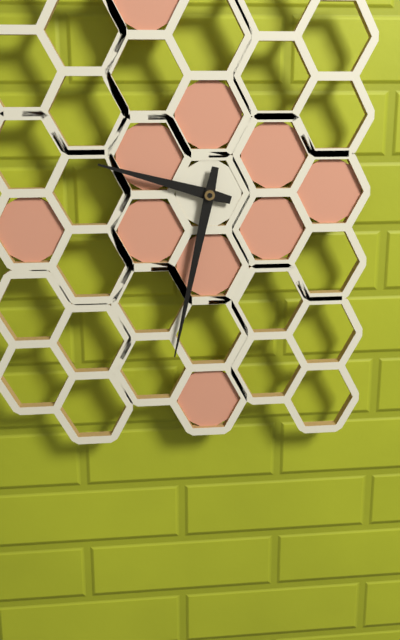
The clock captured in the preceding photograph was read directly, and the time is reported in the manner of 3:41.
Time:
9:32
